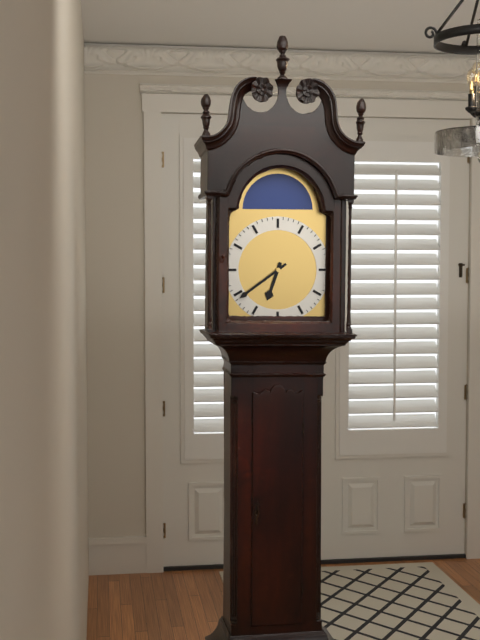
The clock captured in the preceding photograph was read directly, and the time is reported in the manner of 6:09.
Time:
6:39
